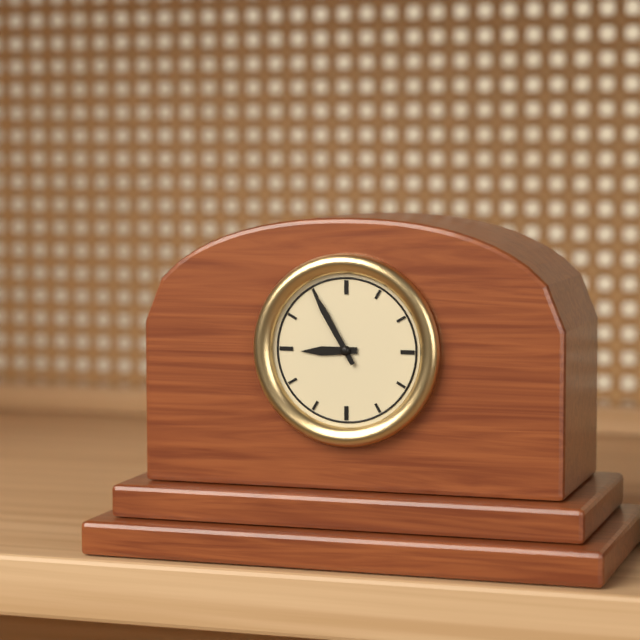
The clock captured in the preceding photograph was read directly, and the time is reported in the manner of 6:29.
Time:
8:55
